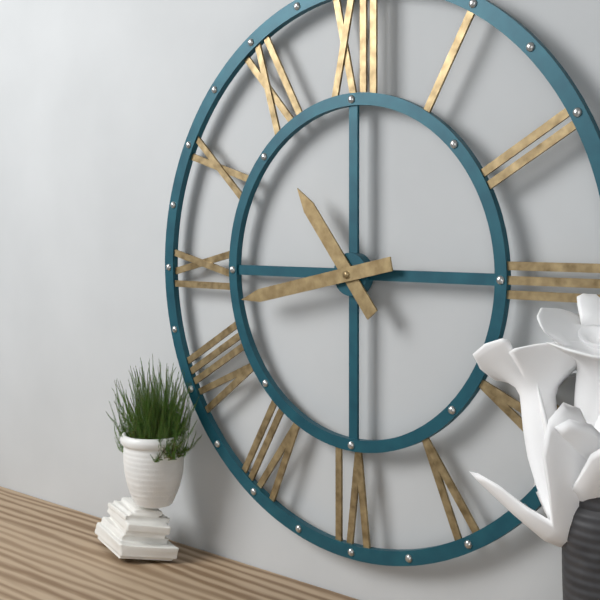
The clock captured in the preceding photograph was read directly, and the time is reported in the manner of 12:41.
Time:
10:43
